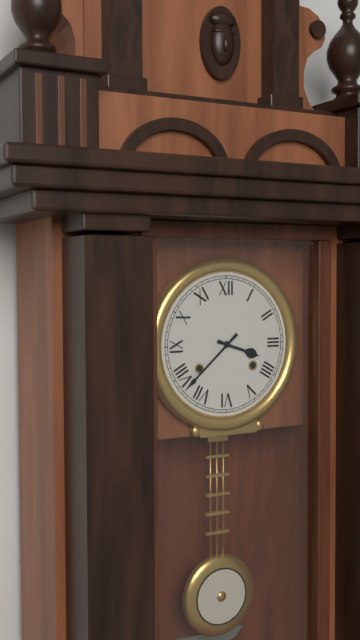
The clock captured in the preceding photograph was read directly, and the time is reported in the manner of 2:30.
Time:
3:38
